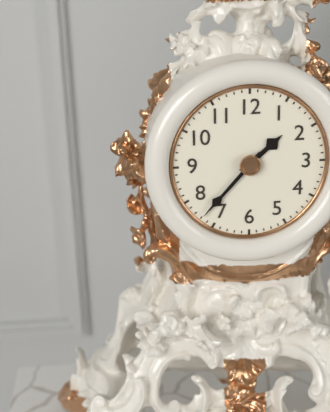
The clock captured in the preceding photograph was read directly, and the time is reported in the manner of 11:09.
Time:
1:37
